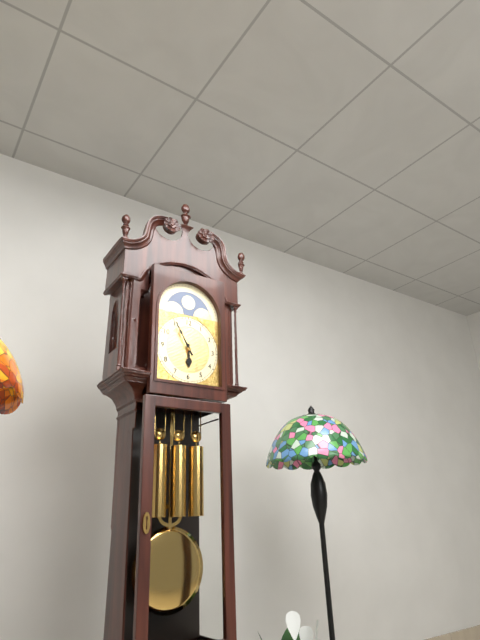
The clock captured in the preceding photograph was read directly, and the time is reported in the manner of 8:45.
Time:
5:55
